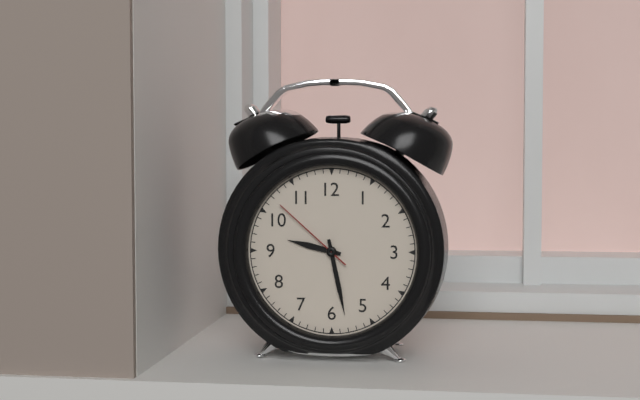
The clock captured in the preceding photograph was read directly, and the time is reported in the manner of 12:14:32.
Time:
9:28:52
